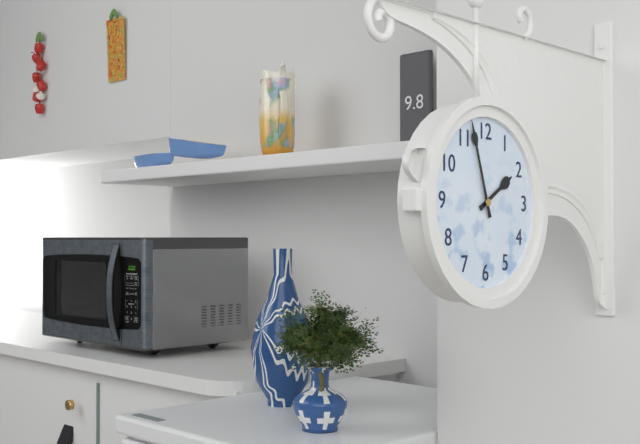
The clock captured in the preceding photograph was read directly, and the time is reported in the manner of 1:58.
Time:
1:57
